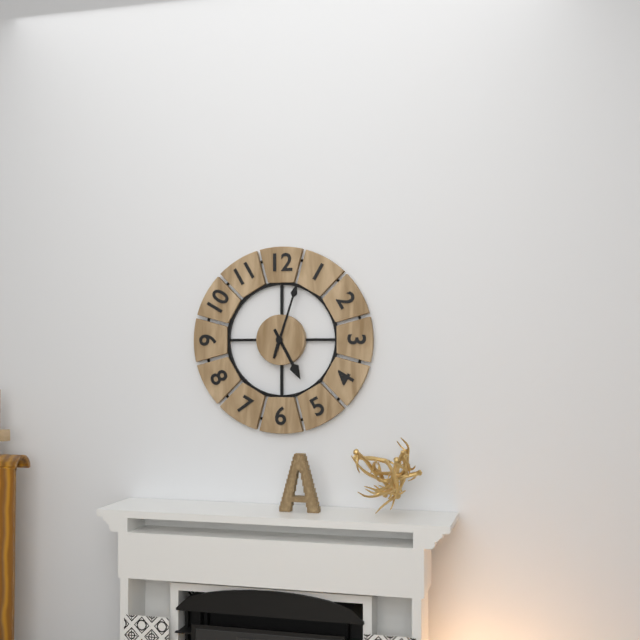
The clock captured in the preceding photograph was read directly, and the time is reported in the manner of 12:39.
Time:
5:03
